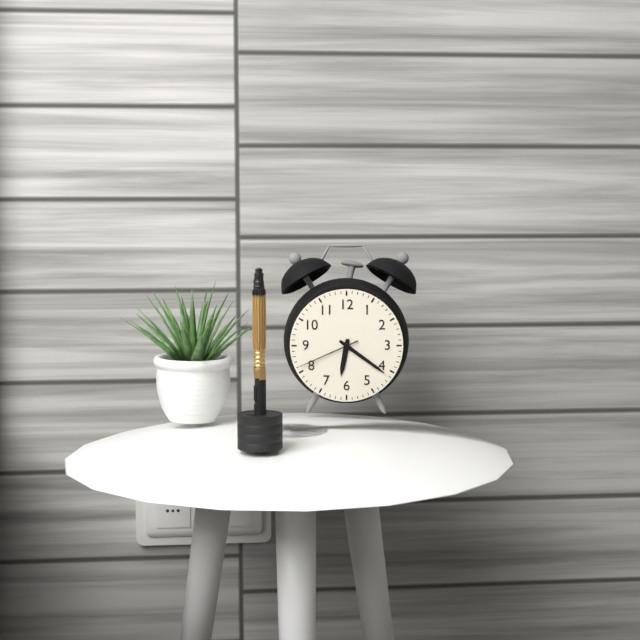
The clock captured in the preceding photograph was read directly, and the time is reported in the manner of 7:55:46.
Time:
6:21:41
